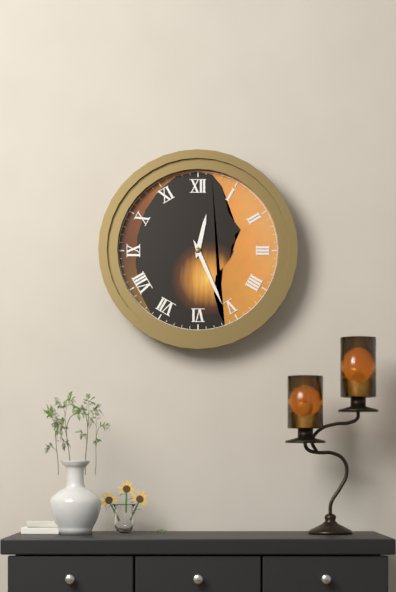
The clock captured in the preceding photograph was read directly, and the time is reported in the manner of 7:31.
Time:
12:26
